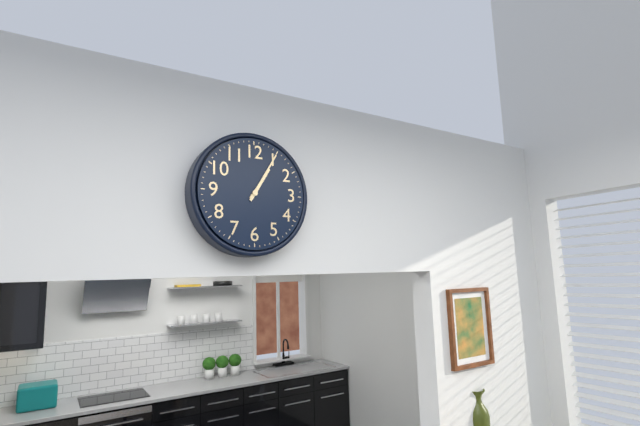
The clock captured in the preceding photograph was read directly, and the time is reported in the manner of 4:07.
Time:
1:05
